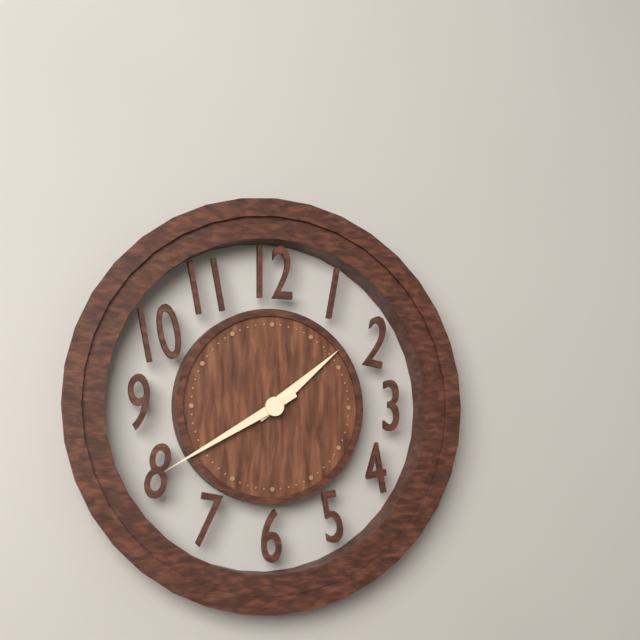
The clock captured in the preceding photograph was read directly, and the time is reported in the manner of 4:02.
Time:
1:40
